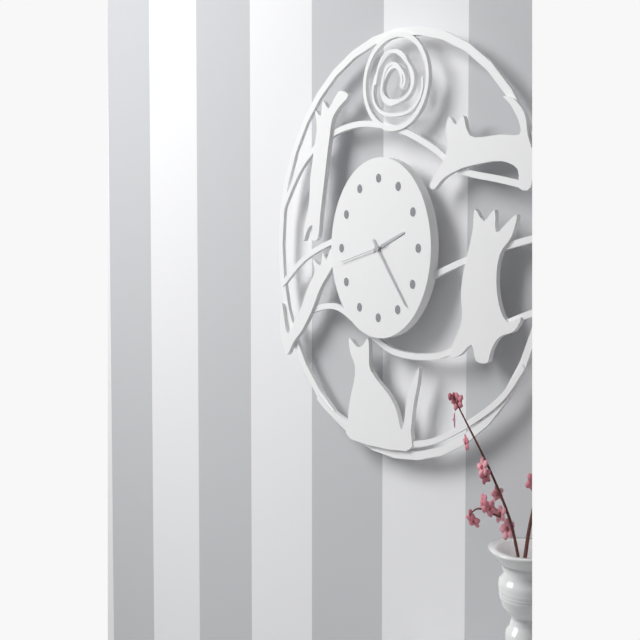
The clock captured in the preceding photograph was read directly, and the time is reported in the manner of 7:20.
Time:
2:23
